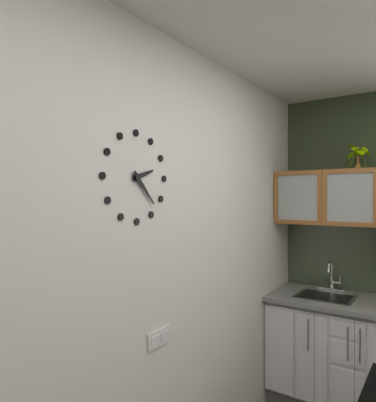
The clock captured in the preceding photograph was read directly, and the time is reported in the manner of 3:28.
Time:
2:23
